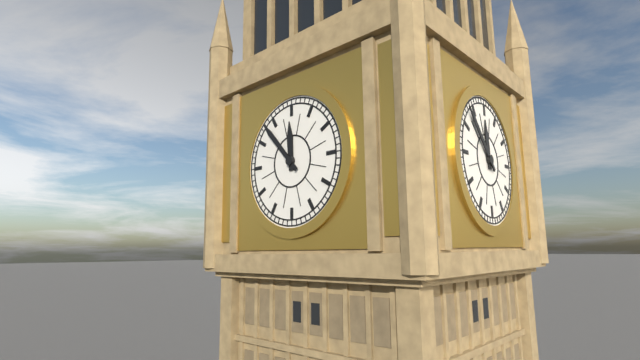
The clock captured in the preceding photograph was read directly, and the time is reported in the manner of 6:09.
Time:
11:53
